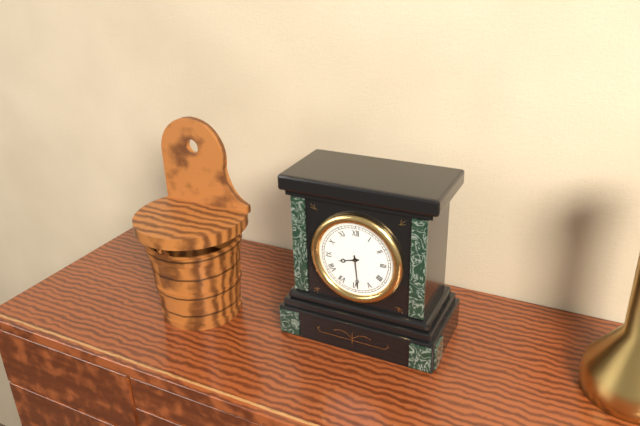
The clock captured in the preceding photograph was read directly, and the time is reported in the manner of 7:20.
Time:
8:29
